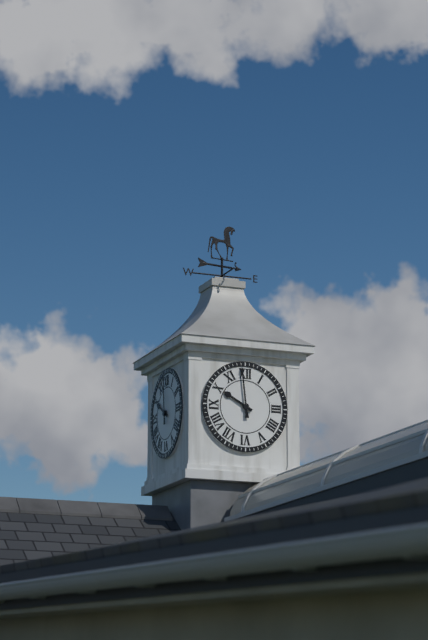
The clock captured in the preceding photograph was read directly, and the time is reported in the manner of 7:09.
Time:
9:59
